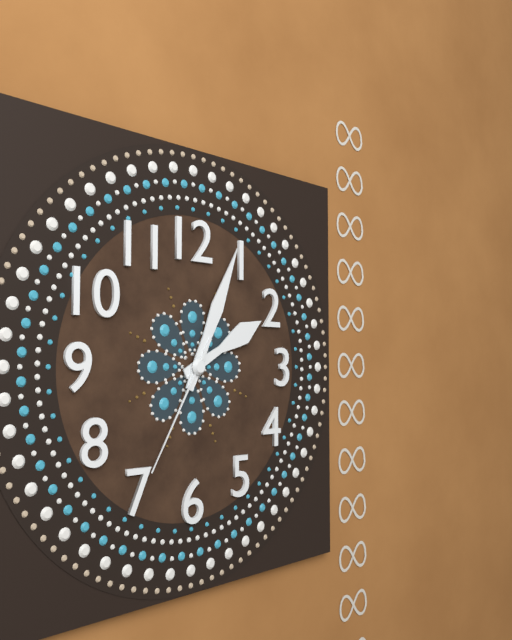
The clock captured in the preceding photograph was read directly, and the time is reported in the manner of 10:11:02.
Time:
2:04:35
